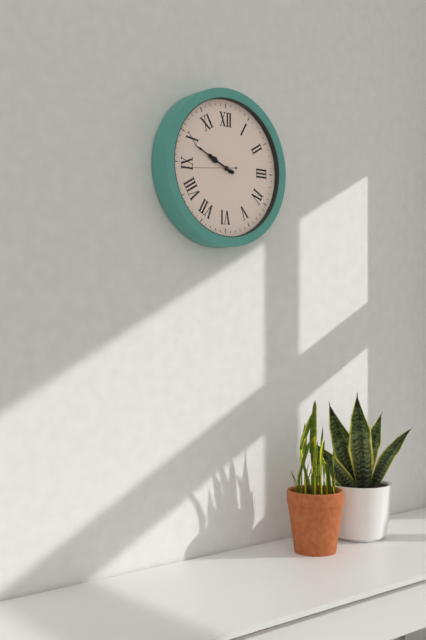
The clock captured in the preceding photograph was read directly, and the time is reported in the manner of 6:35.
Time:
9:49
